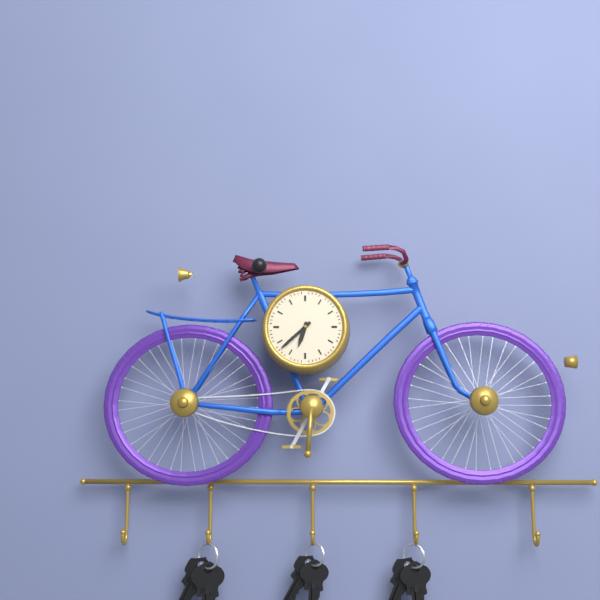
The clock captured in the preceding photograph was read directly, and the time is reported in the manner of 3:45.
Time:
6:38
